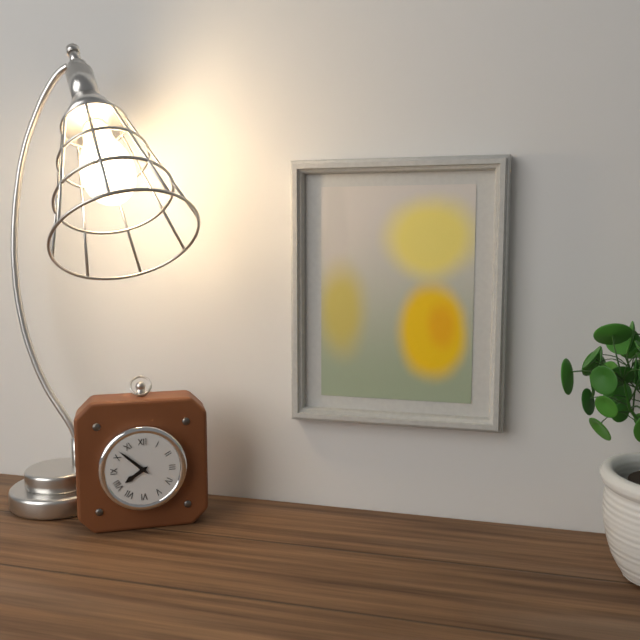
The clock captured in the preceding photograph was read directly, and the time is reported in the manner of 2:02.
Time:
7:52
